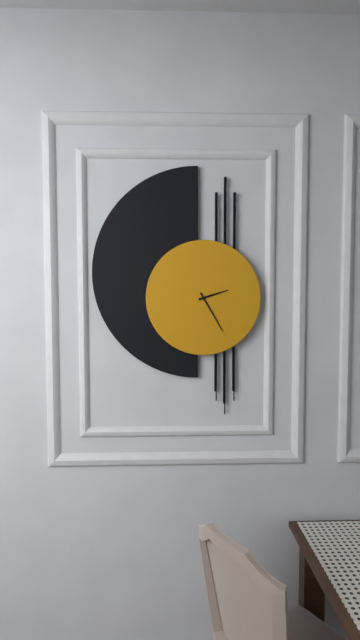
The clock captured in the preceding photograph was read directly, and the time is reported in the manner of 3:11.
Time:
2:25
